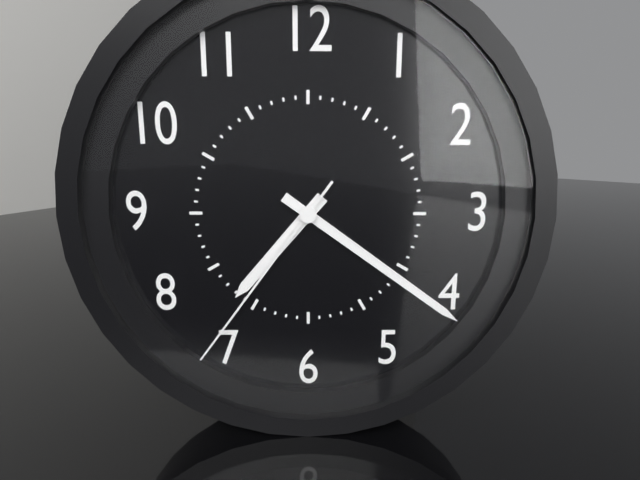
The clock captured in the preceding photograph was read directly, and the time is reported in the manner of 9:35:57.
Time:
7:21:36
